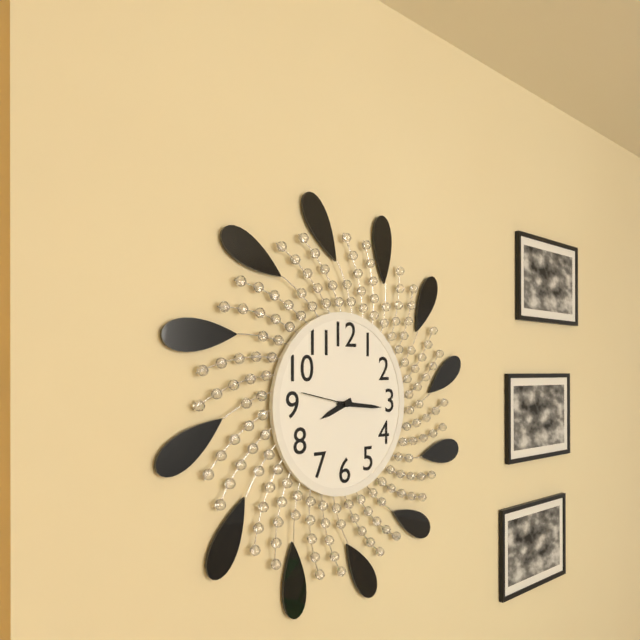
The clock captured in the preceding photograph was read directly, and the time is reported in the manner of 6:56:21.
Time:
8:16:47
